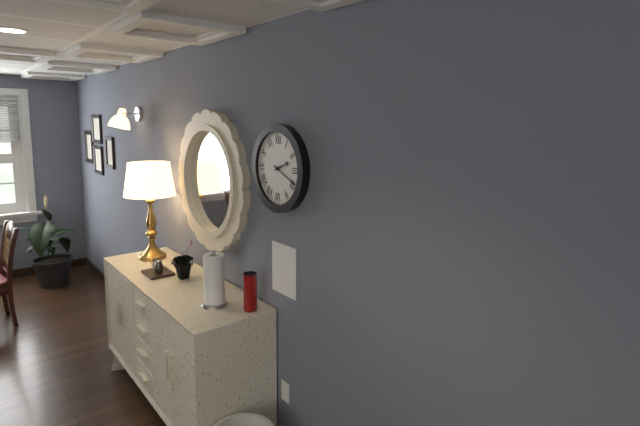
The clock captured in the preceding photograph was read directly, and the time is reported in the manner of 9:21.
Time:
2:19
